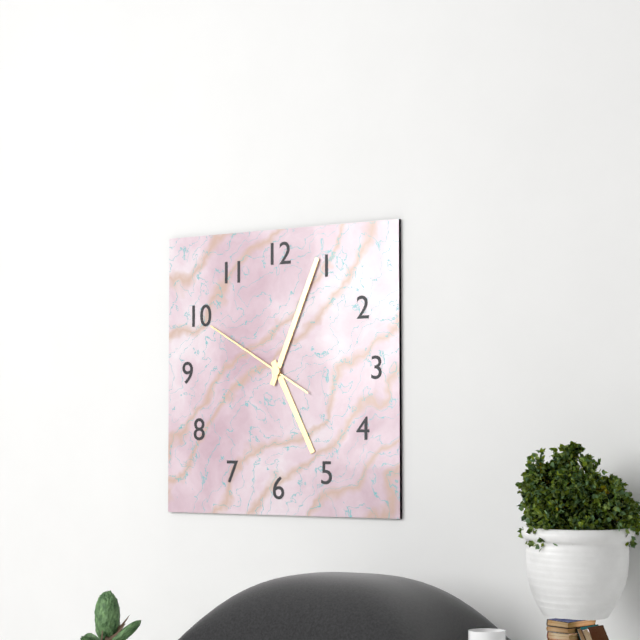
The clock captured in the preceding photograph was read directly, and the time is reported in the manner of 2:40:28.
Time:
5:04:50
